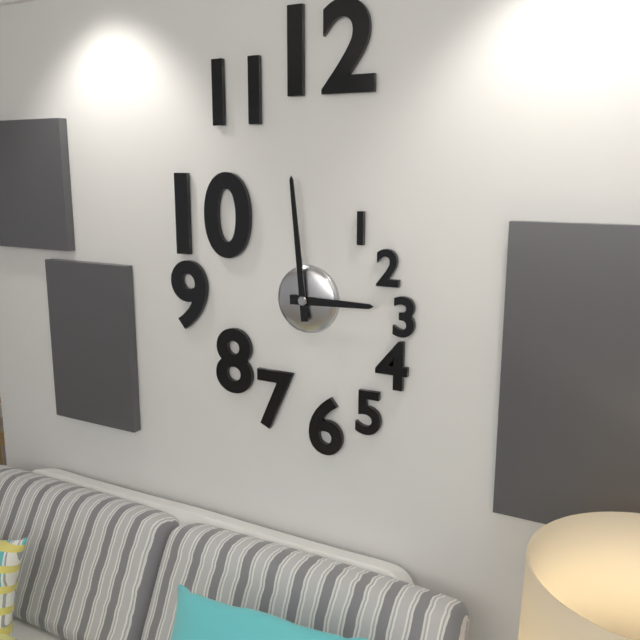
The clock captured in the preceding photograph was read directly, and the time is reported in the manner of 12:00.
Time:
2:59
